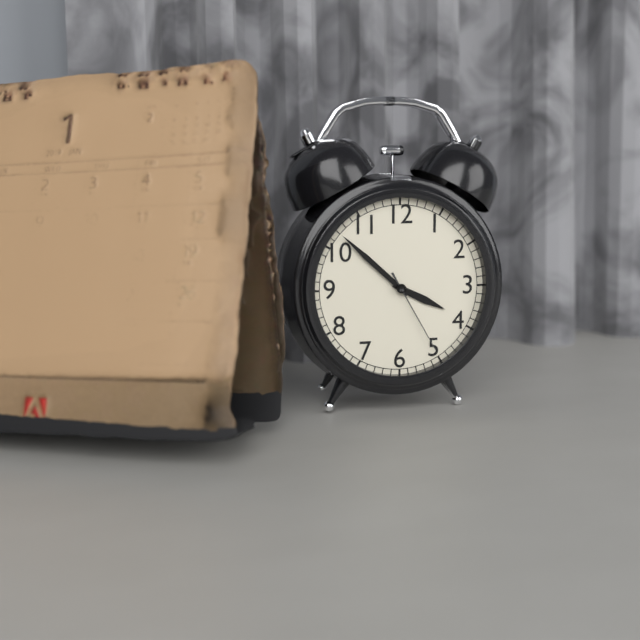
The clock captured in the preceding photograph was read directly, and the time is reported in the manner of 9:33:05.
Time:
3:52:25
